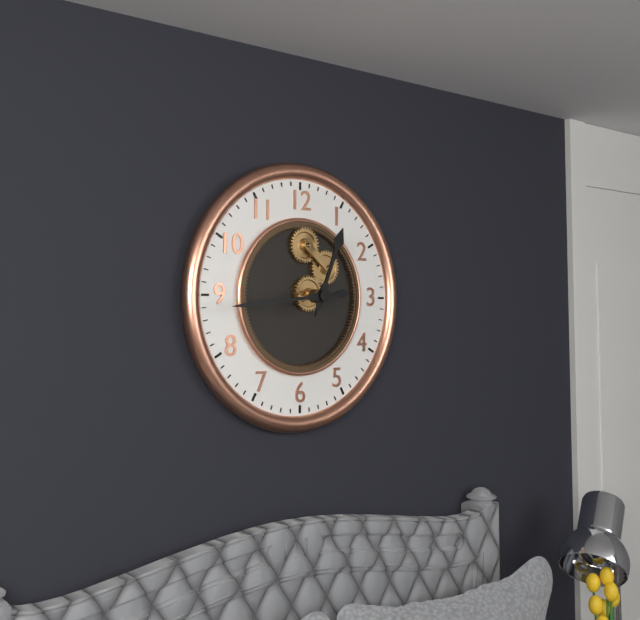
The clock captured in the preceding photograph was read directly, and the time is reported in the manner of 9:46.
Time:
12:44
